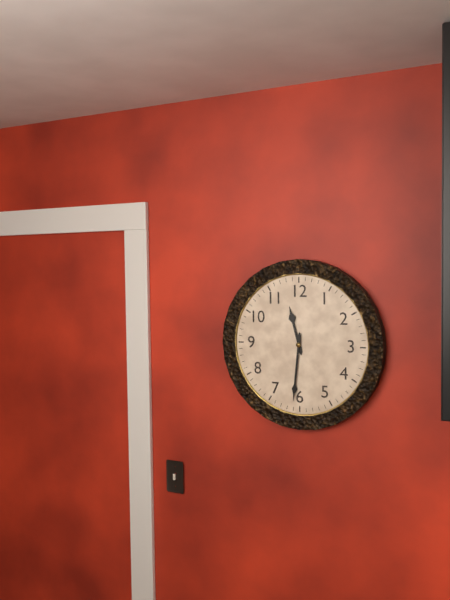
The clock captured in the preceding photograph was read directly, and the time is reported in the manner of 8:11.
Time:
11:31
